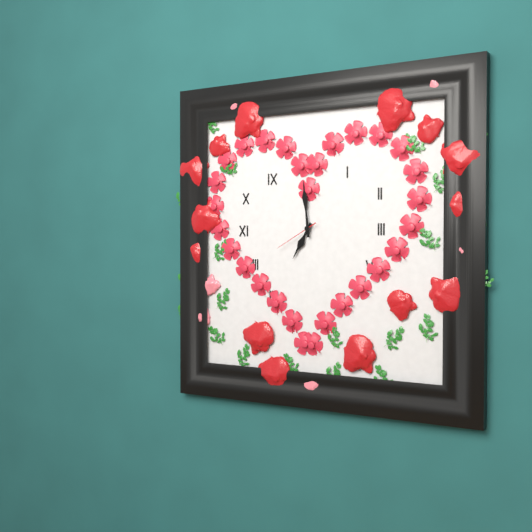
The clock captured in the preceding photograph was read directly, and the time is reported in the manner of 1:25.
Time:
6:59
